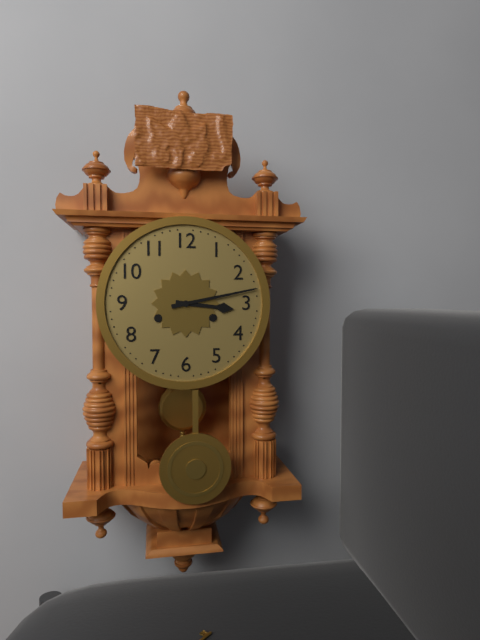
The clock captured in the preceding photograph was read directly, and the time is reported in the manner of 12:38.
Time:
3:13
